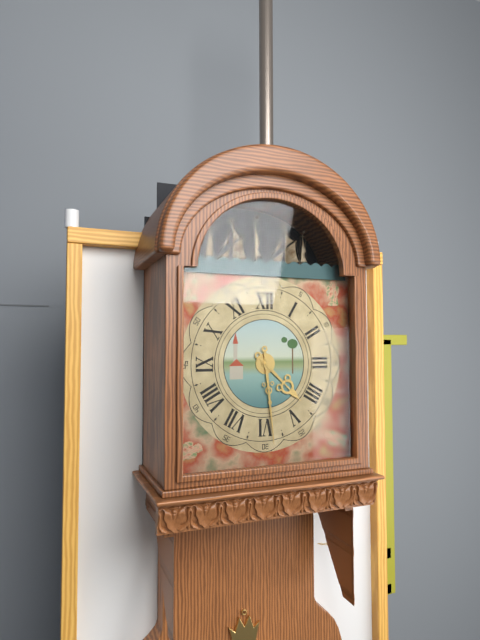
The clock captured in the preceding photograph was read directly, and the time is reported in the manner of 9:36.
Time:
4:29
